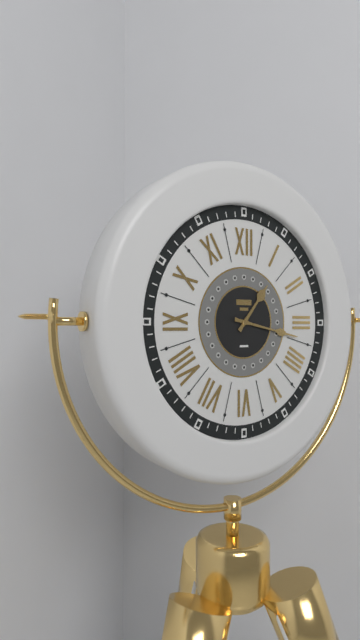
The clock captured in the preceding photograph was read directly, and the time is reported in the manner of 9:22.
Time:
1:17
